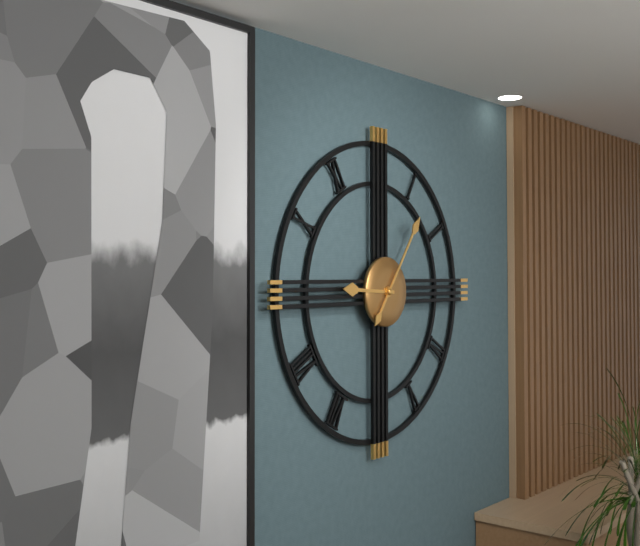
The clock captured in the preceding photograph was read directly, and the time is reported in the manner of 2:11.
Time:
9:06
